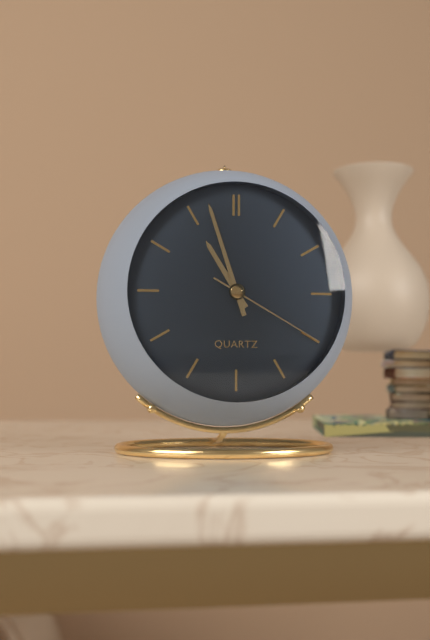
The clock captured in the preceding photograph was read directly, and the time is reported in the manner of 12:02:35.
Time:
10:57:20
